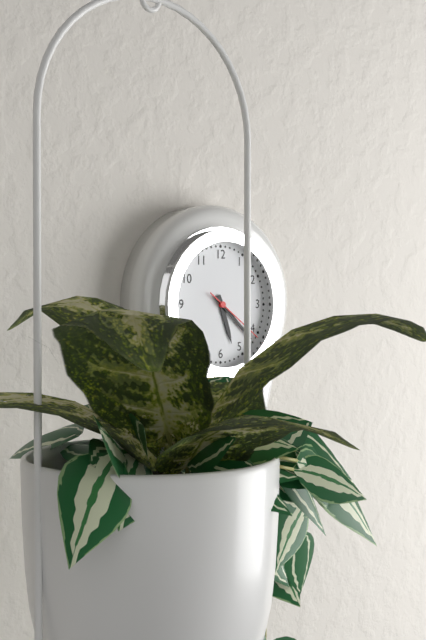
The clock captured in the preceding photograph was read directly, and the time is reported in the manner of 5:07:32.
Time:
5:22:21
